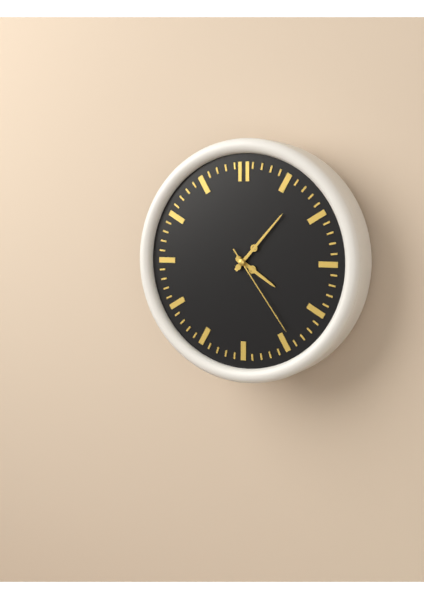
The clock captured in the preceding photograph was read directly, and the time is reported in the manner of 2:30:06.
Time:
4:07:24
